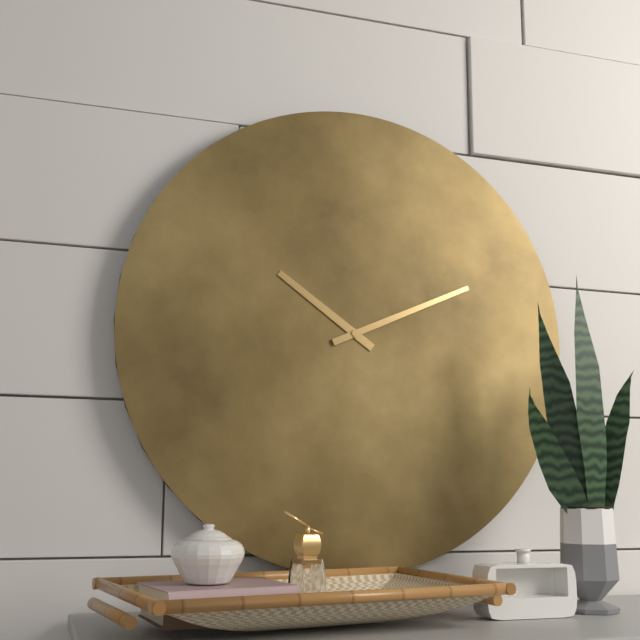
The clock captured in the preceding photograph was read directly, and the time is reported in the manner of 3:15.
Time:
10:11
